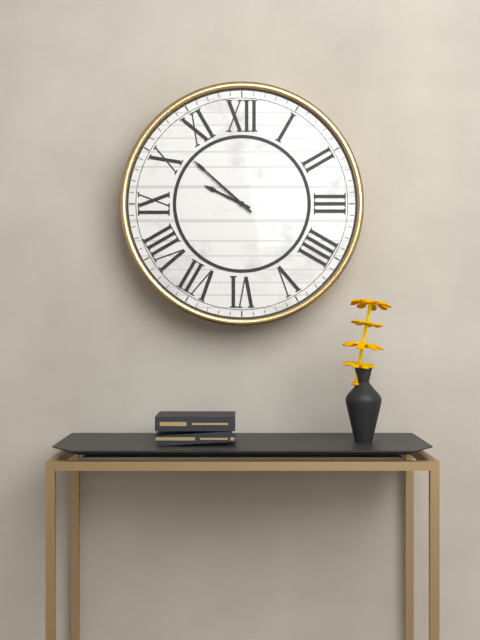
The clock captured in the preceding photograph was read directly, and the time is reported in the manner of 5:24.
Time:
9:52
